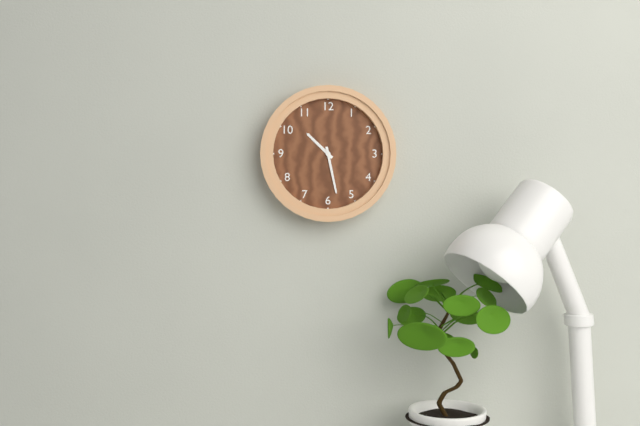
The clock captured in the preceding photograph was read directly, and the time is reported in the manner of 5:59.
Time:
10:28
